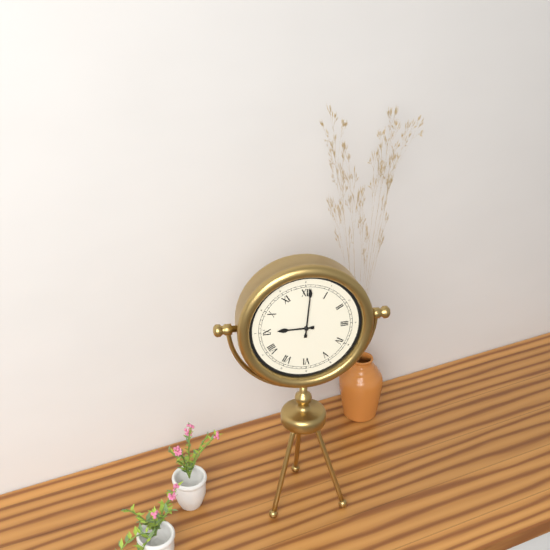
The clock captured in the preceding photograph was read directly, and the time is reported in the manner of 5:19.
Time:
9:01
